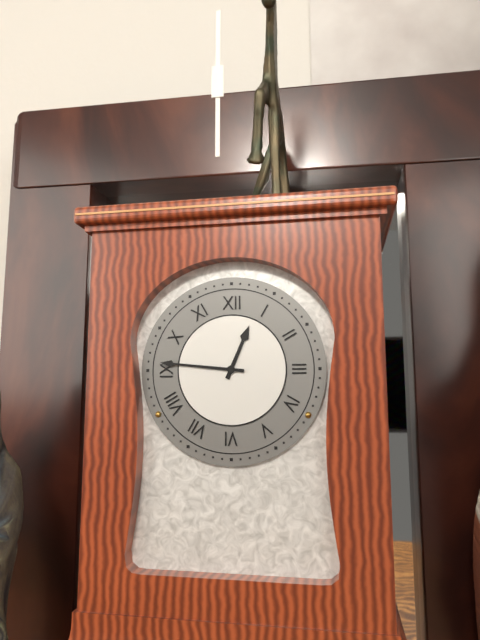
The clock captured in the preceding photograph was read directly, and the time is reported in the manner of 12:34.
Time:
12:46
